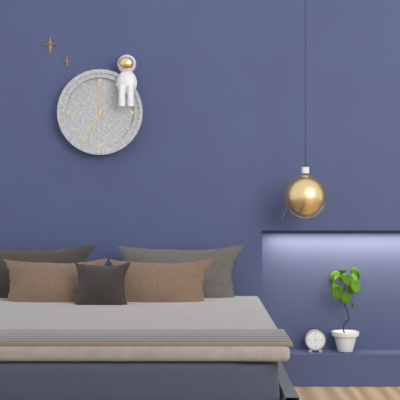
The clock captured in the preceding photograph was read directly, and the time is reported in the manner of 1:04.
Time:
6:59
